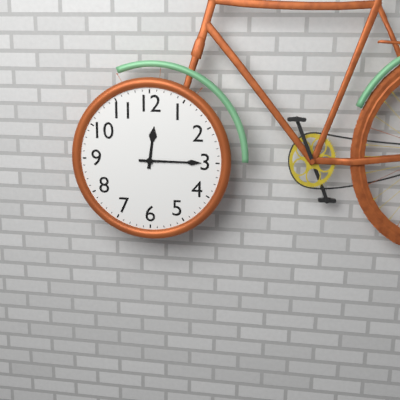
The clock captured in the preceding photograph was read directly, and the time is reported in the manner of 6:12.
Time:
12:15
